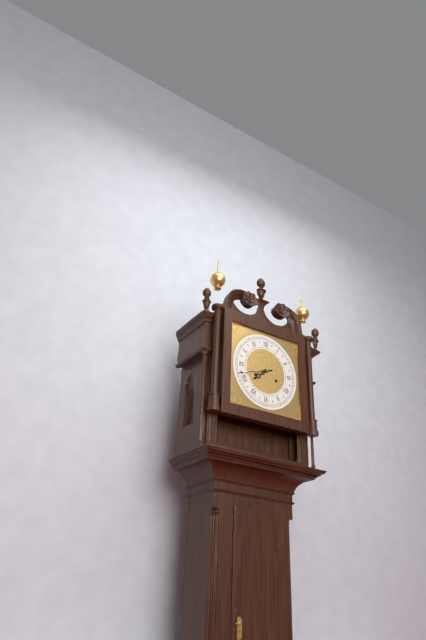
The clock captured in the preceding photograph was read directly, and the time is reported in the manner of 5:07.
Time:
7:42
